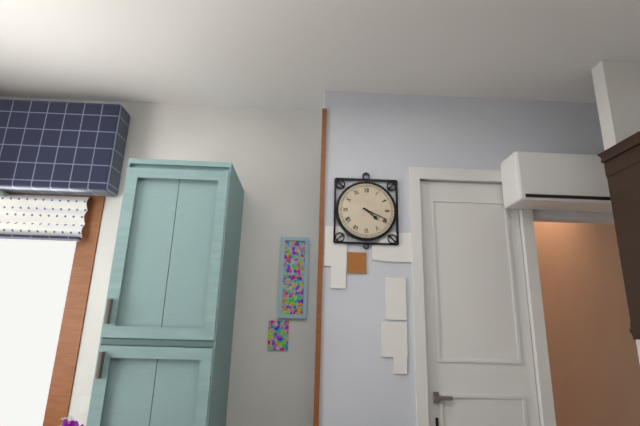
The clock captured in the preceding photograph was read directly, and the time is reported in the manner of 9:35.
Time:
4:19
